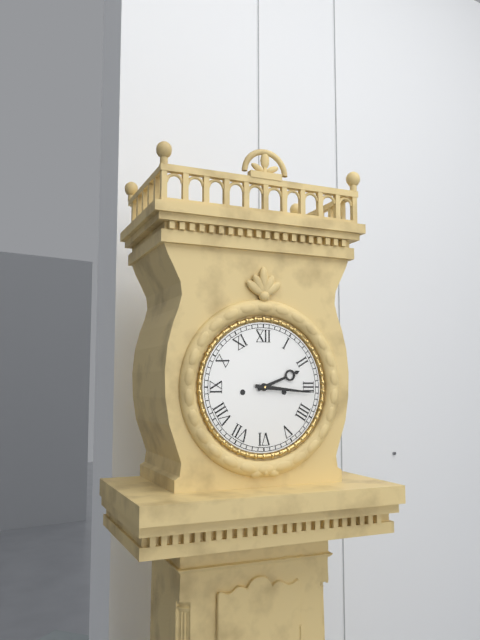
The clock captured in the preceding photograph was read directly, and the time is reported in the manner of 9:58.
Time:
2:16
